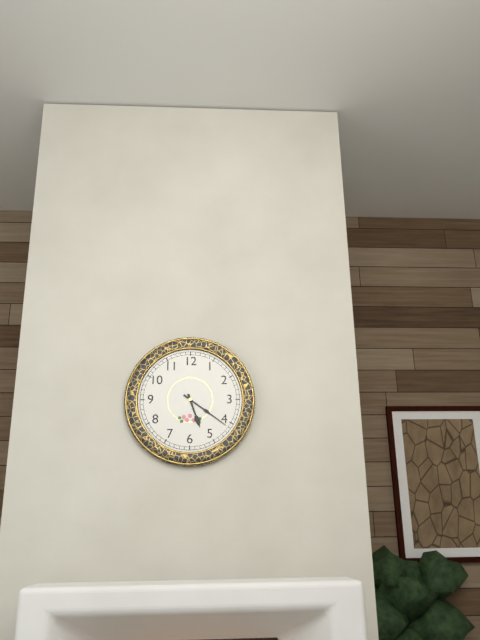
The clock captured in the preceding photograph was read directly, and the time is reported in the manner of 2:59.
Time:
5:21
